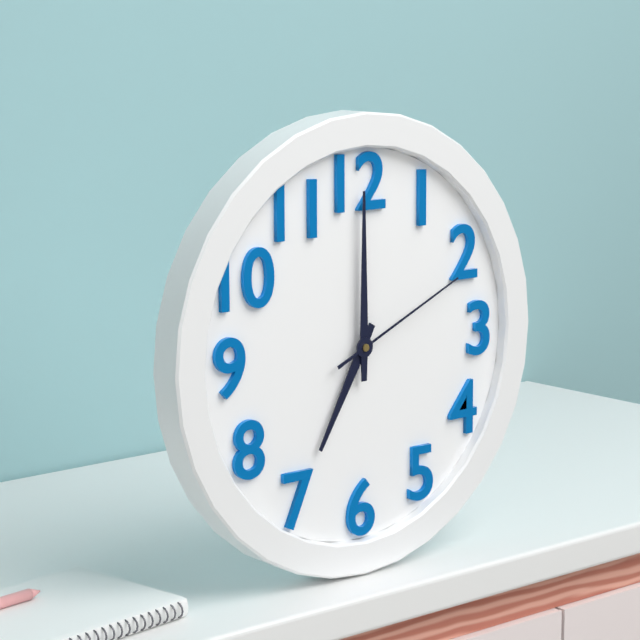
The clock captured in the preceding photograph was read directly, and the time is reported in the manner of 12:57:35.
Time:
7:00:11
